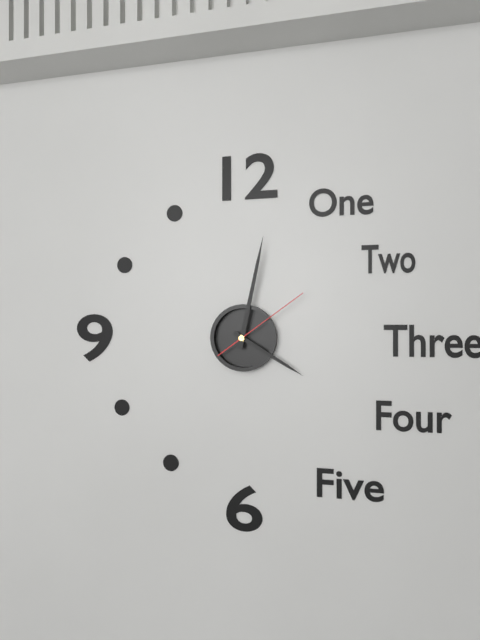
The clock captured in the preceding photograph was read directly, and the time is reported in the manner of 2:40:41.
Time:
4:02:09
